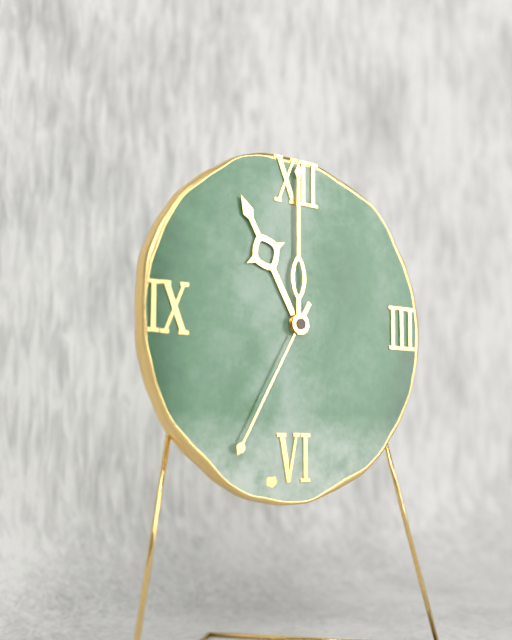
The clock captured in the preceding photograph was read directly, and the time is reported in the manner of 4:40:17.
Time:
11:00:35
